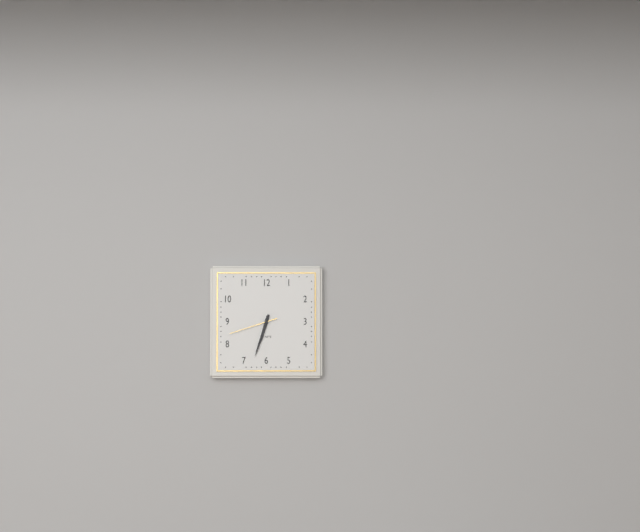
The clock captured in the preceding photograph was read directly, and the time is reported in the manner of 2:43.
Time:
6:33
